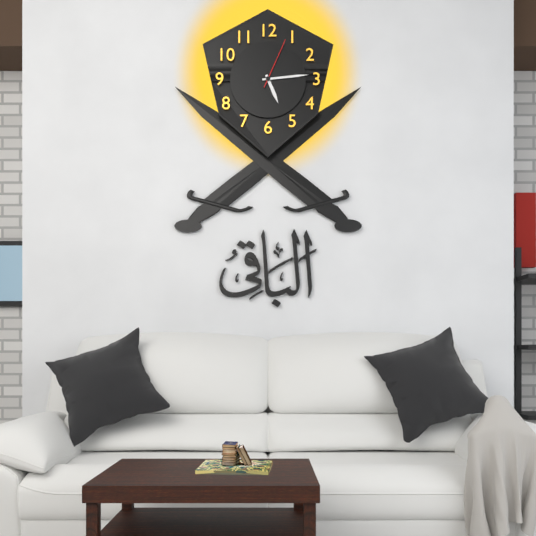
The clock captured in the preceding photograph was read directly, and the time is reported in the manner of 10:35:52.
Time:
5:14:04
